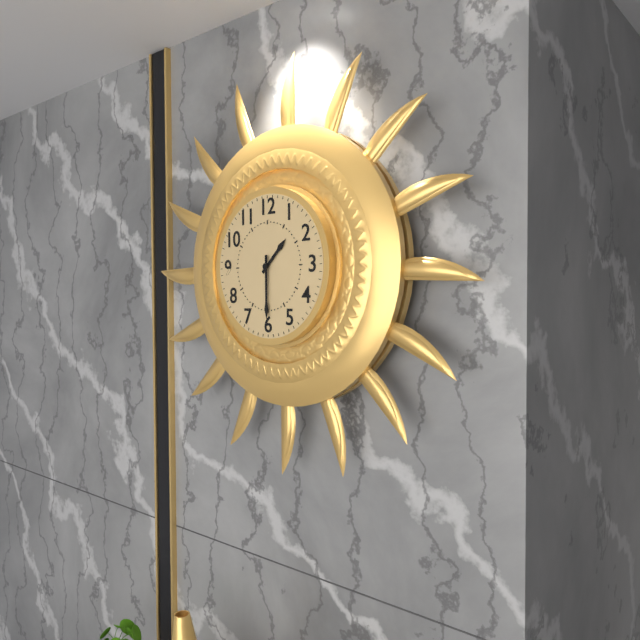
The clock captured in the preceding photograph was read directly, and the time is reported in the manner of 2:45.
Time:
1:30
